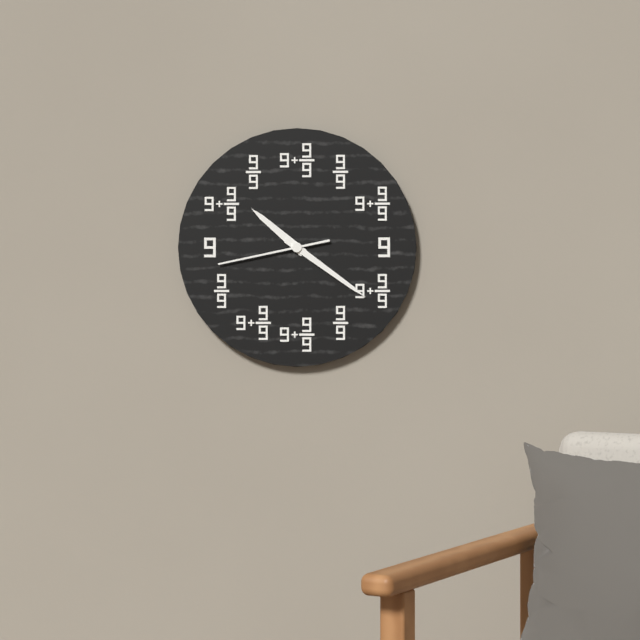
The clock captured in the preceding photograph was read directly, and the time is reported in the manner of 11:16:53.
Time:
10:21:43
